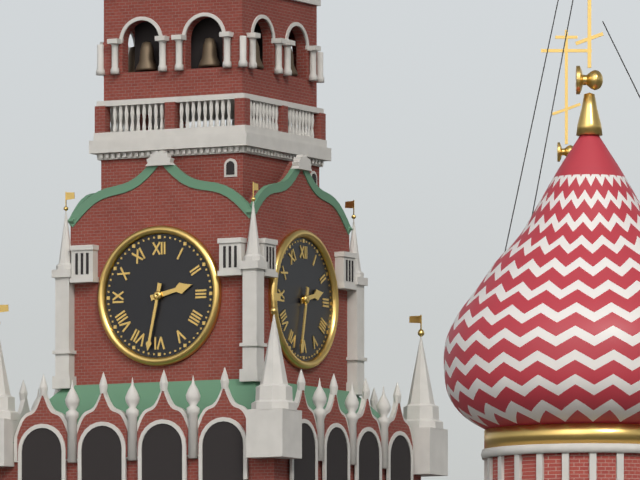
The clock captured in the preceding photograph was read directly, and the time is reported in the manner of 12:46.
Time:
2:32
